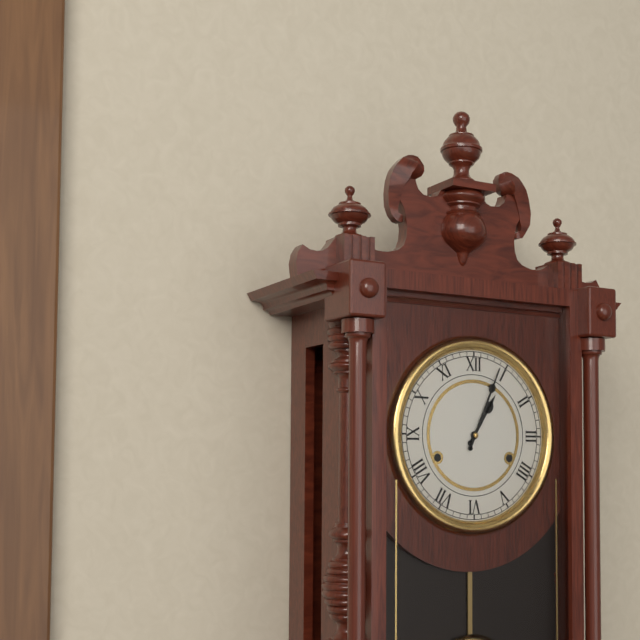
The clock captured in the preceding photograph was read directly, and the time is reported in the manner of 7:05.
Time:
1:04
